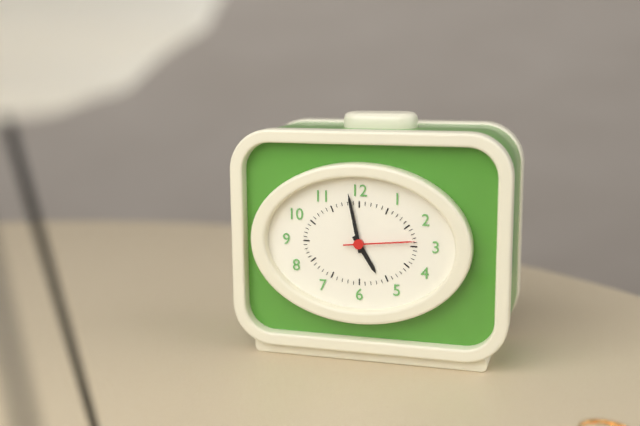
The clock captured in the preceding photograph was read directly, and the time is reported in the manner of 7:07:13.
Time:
4:58:14
